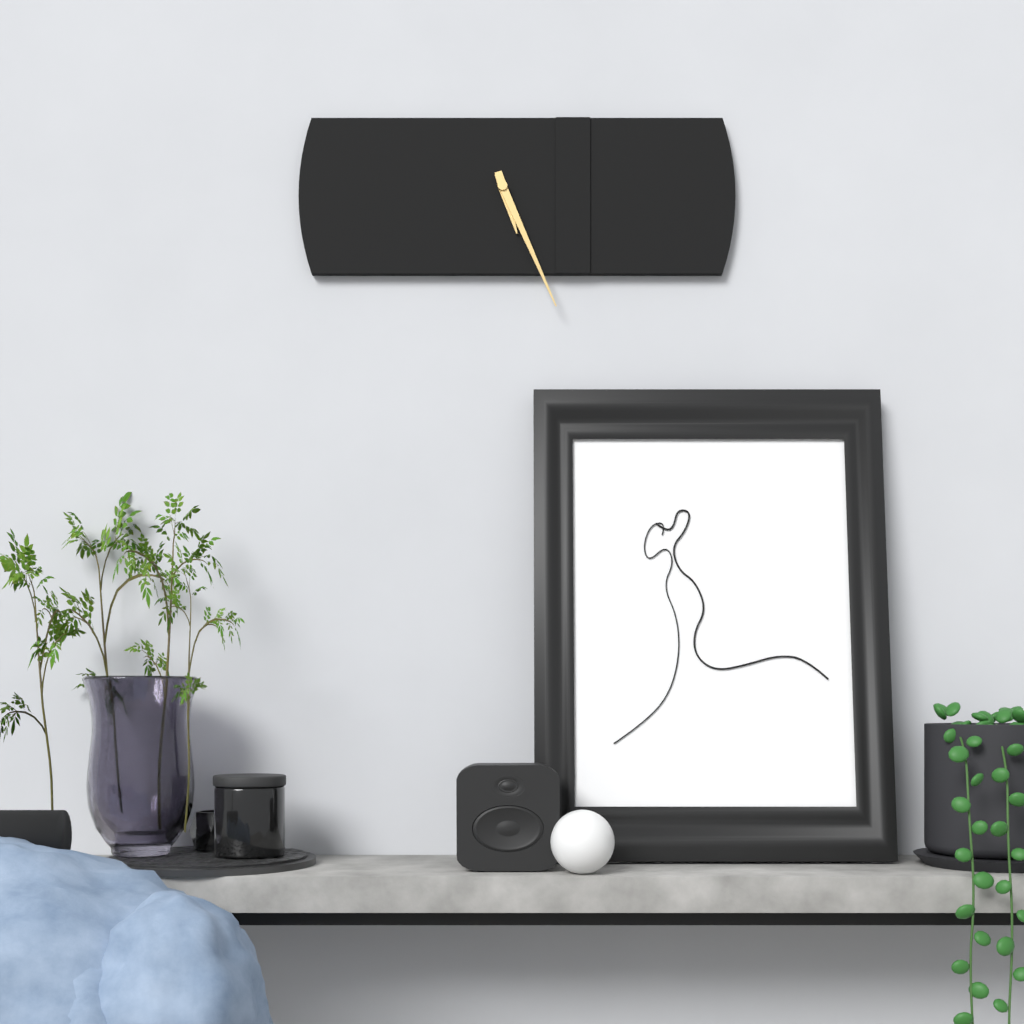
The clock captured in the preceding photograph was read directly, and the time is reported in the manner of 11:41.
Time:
5:26
